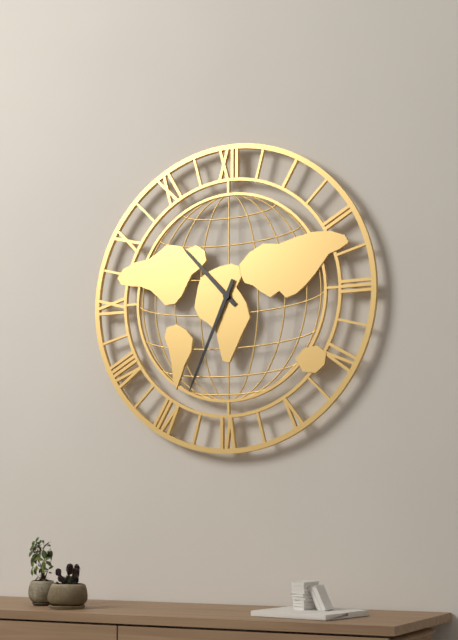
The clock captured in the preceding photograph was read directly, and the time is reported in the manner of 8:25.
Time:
10:34
